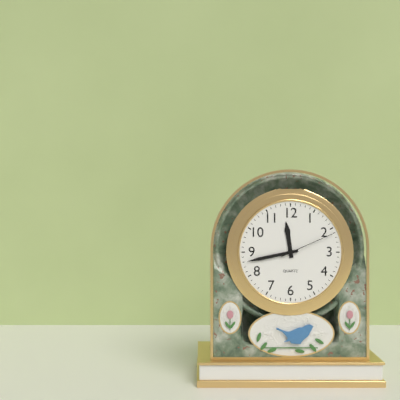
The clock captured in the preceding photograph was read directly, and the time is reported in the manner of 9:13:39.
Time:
11:43:11
